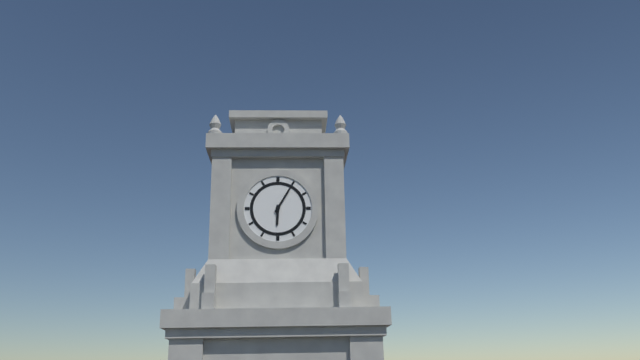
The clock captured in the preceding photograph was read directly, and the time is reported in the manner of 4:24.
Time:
6:05
